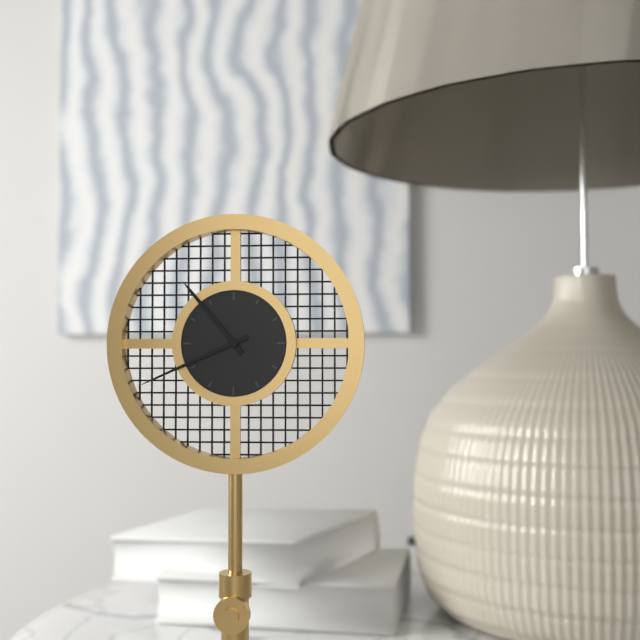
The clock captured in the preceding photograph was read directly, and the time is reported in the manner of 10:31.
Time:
10:41
